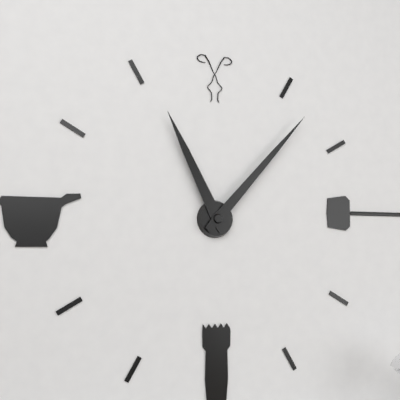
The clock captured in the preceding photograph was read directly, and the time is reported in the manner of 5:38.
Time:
11:07
